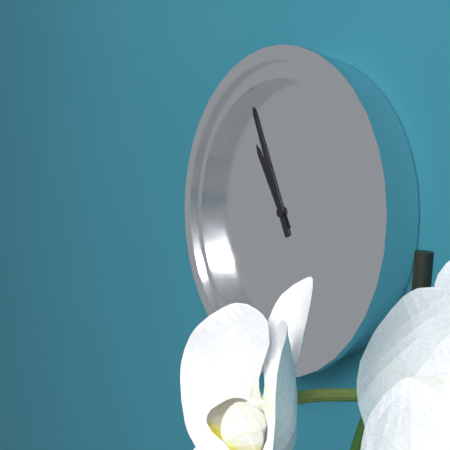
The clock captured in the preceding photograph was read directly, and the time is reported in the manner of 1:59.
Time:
10:56
